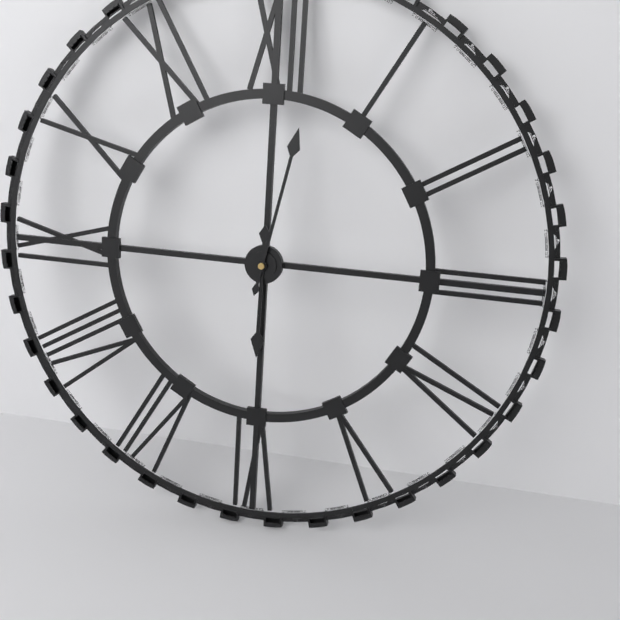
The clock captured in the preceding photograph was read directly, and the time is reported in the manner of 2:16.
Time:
6:02
